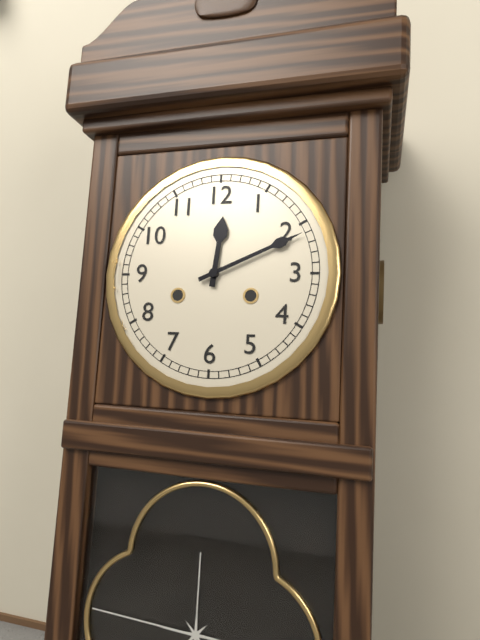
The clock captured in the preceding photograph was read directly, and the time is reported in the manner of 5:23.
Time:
12:11
